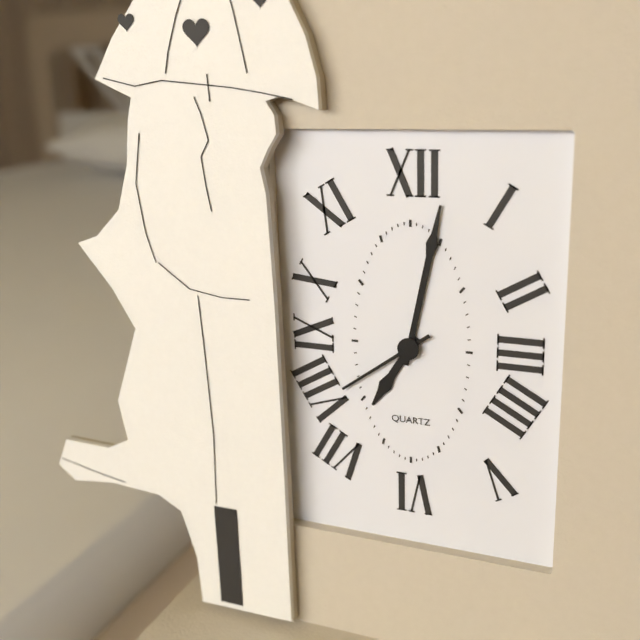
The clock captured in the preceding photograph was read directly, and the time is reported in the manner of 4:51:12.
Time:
7:02:39
